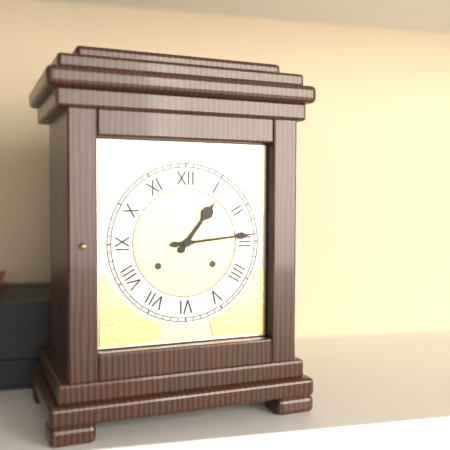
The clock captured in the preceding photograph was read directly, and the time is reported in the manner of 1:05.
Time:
1:14
